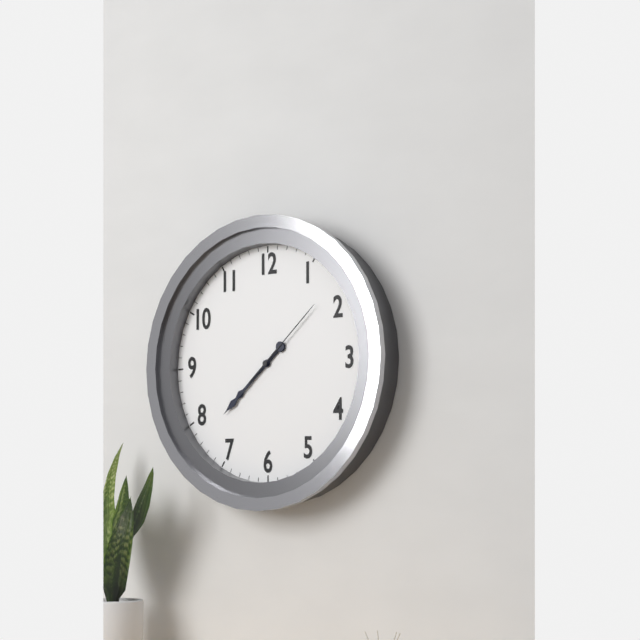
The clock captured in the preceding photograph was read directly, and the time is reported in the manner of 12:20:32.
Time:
7:38:08
